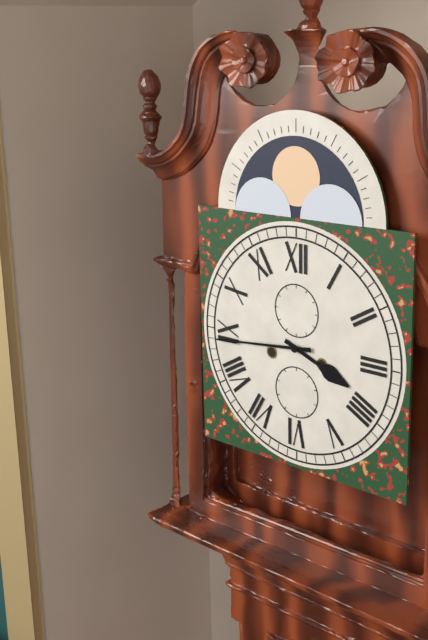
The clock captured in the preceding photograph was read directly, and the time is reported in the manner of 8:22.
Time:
3:44
